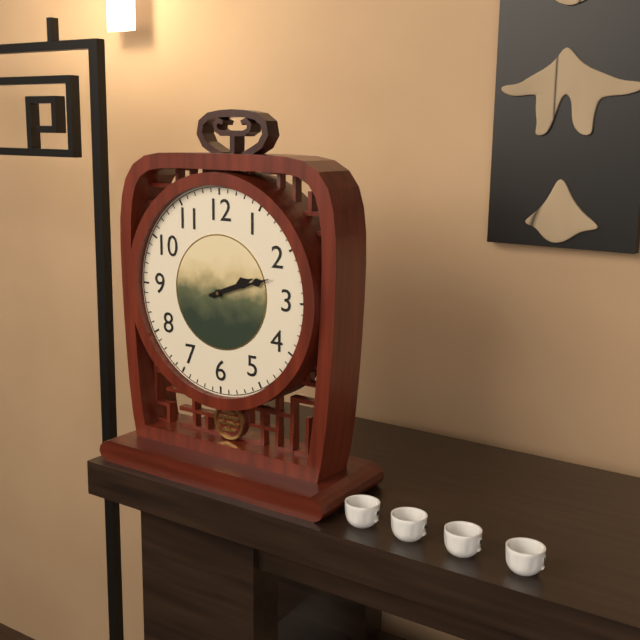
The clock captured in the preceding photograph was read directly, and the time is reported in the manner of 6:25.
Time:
2:12
